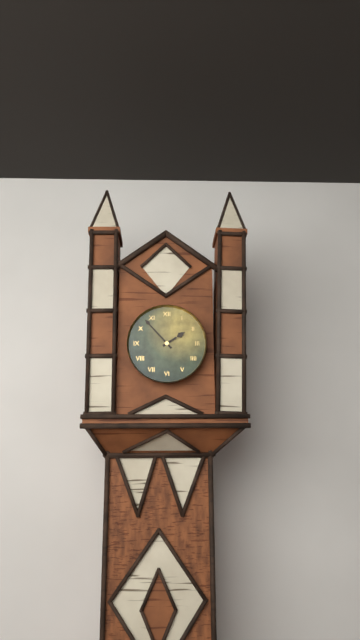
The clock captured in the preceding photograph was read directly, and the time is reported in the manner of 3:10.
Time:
1:53
